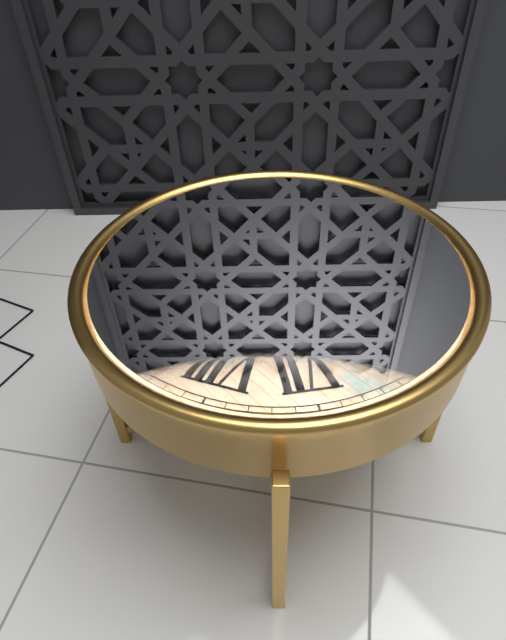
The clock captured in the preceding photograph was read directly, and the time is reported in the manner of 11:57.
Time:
10:41
